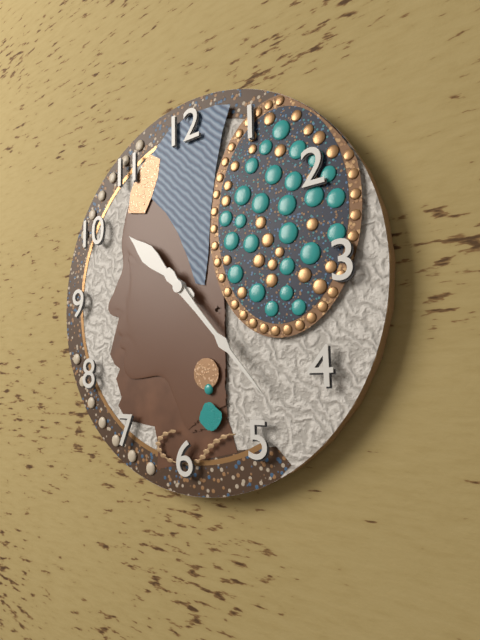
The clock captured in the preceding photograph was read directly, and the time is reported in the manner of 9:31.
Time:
10:23
